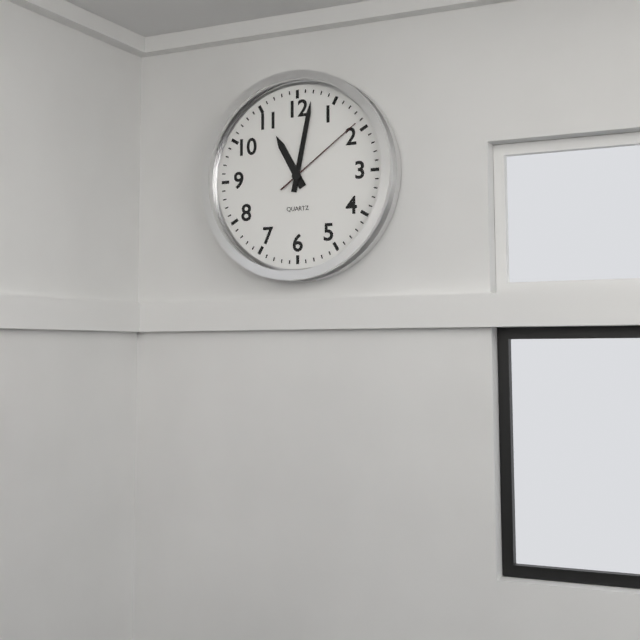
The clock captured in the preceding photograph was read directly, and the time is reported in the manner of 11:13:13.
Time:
11:02:09
